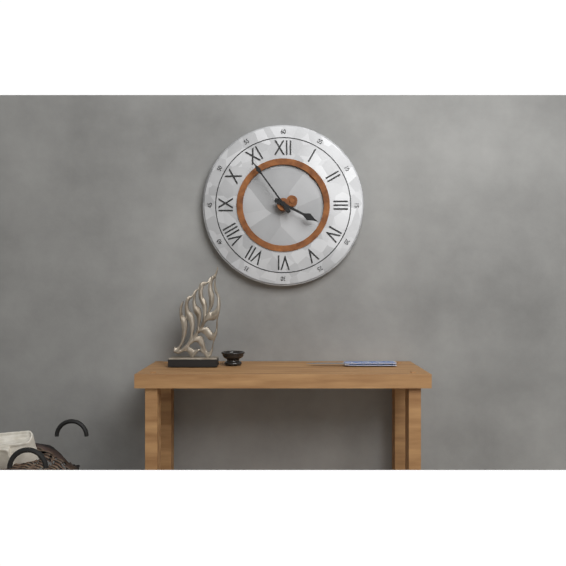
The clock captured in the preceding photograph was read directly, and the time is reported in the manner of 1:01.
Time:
3:54
